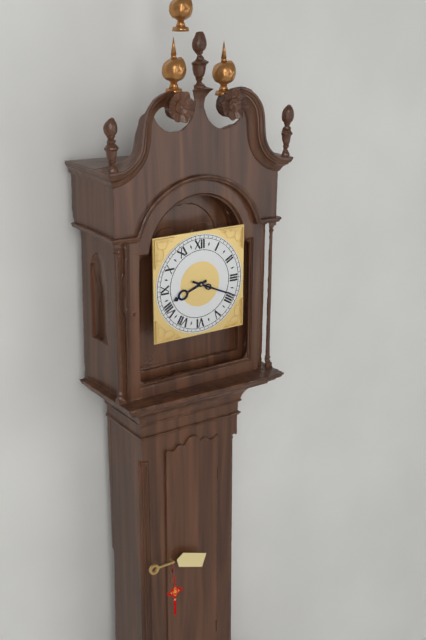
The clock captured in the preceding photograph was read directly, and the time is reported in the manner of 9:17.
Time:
8:19
